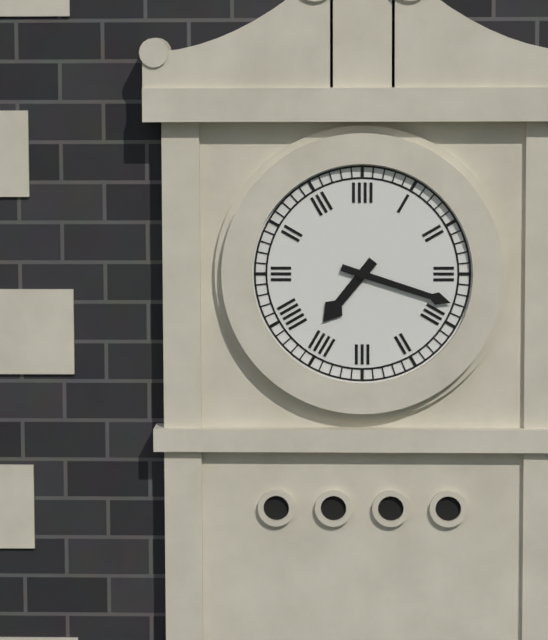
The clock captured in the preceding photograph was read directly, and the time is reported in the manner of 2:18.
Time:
7:18
